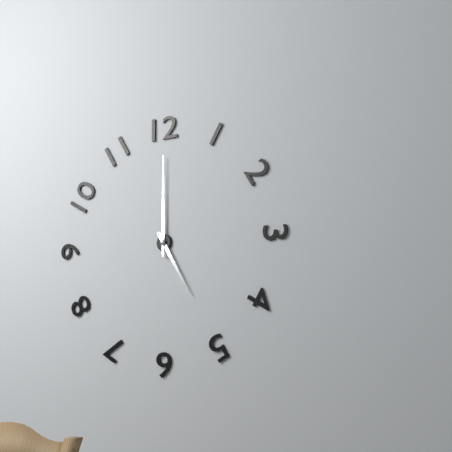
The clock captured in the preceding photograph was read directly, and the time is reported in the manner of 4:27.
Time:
5:00
